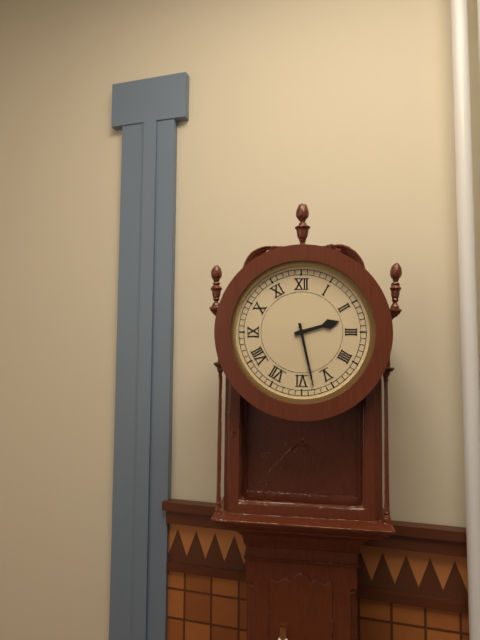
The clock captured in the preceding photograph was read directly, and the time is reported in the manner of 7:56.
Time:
2:28
